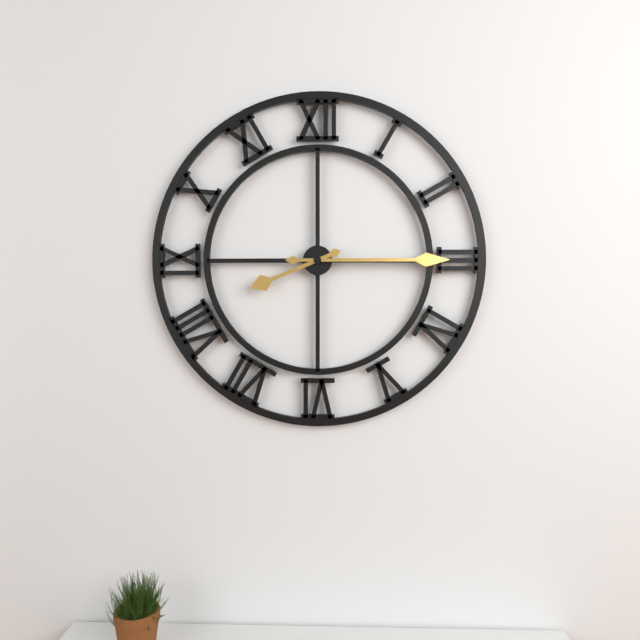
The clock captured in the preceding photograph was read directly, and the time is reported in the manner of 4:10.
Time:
8:15
